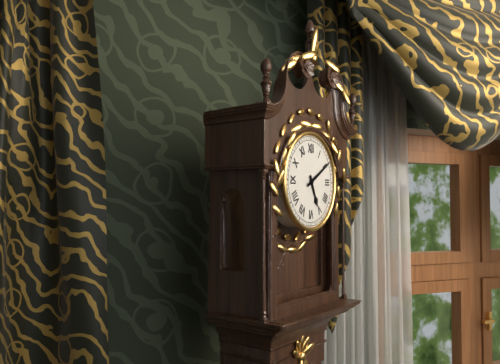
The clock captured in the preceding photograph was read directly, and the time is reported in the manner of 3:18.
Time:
5:10
